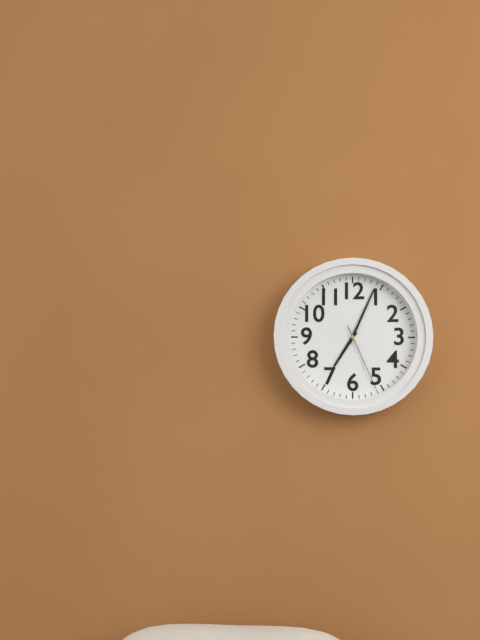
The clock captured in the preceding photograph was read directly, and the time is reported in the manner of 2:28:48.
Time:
7:04:26
